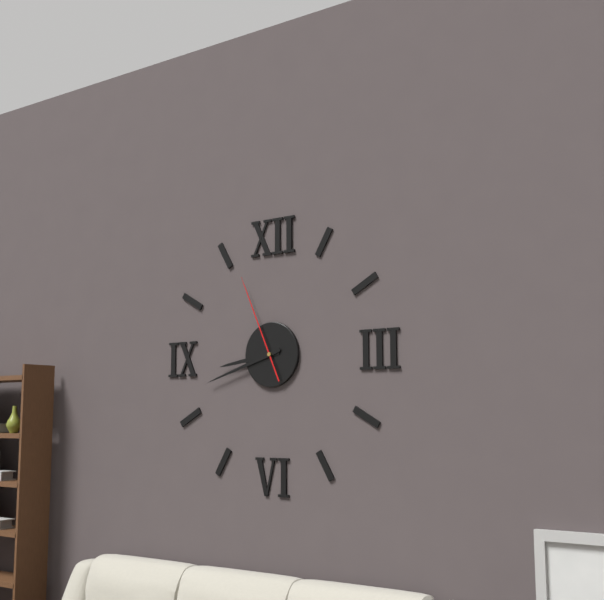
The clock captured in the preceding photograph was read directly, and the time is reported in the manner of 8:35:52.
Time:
8:42:56
